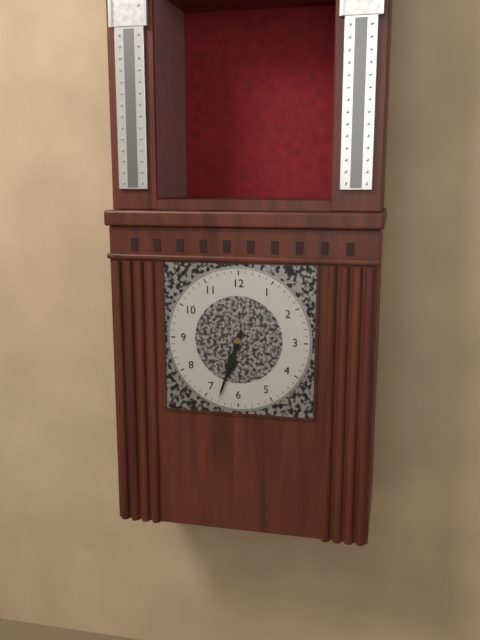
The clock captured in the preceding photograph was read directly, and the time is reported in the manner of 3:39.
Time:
6:33
